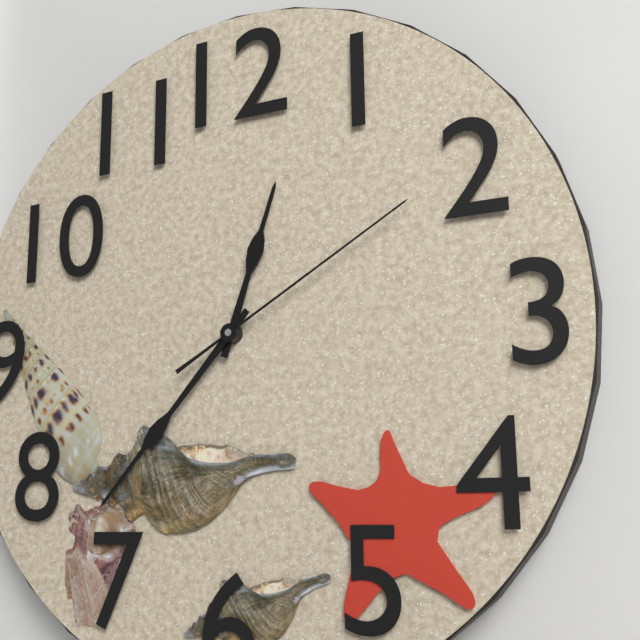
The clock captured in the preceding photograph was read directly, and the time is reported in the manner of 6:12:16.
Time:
12:37:10
